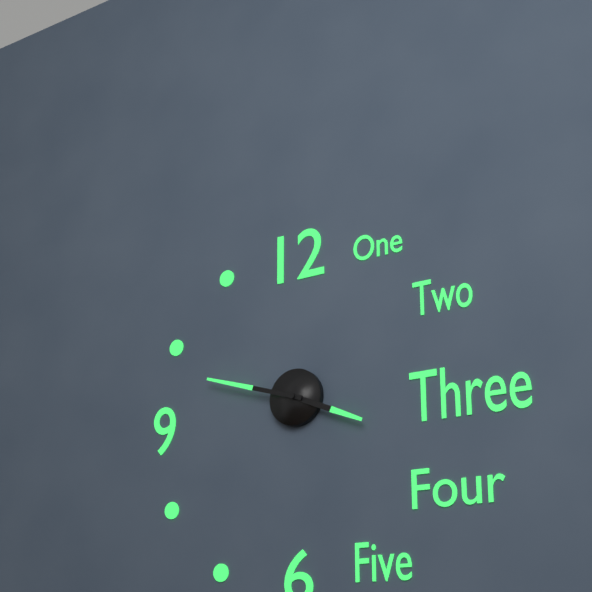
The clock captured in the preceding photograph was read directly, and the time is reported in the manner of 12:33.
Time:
3:48
